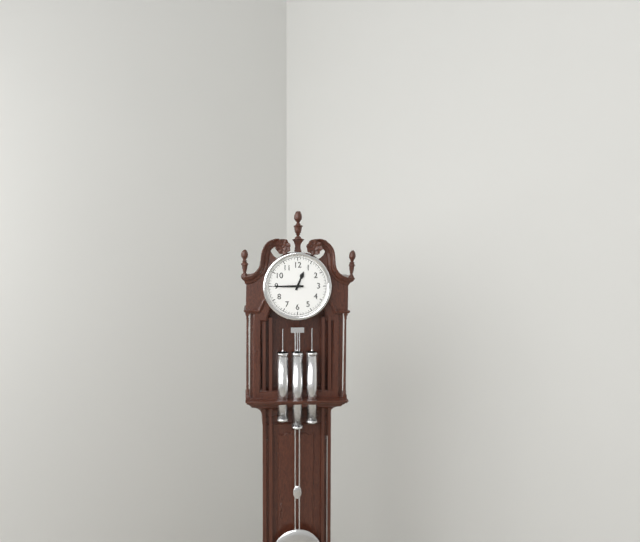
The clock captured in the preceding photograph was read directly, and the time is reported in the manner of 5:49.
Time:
12:45
